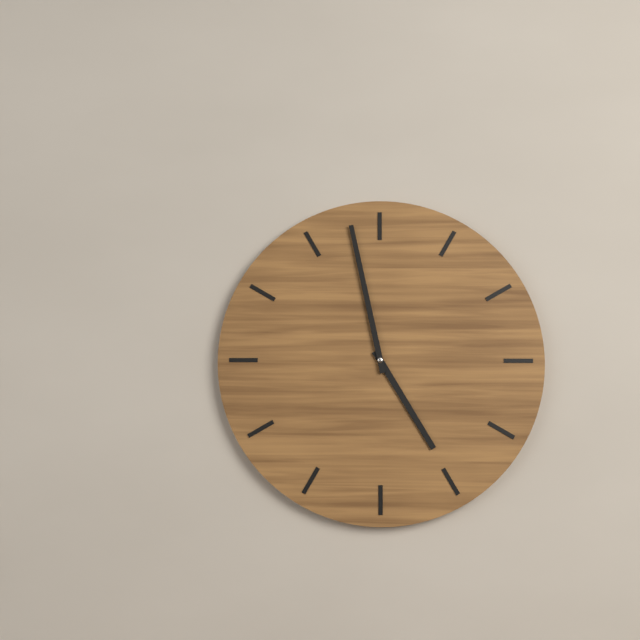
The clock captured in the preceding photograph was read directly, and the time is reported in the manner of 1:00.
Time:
4:58
